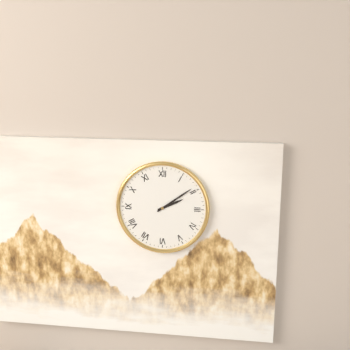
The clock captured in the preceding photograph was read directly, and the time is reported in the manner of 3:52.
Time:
2:09
